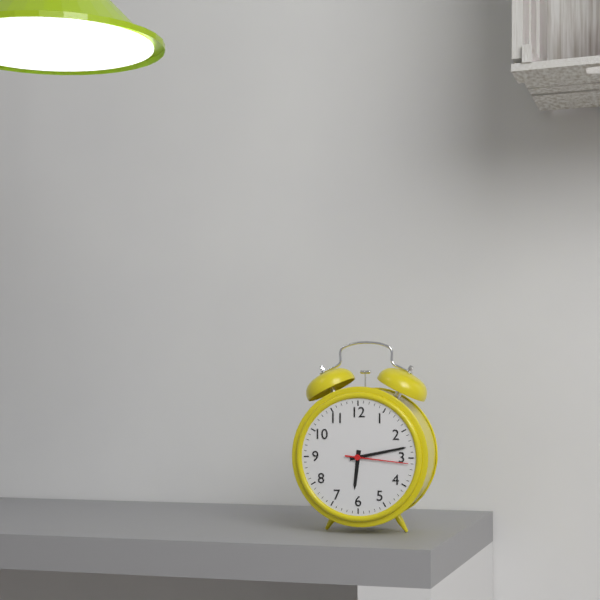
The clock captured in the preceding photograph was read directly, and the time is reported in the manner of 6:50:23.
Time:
6:13:16
